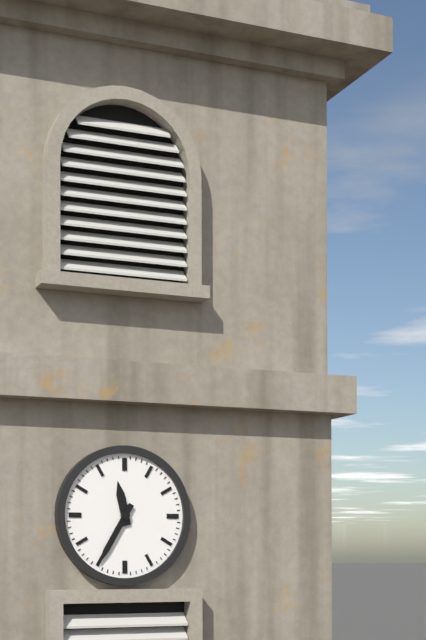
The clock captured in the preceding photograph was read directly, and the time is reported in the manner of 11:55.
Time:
11:35
